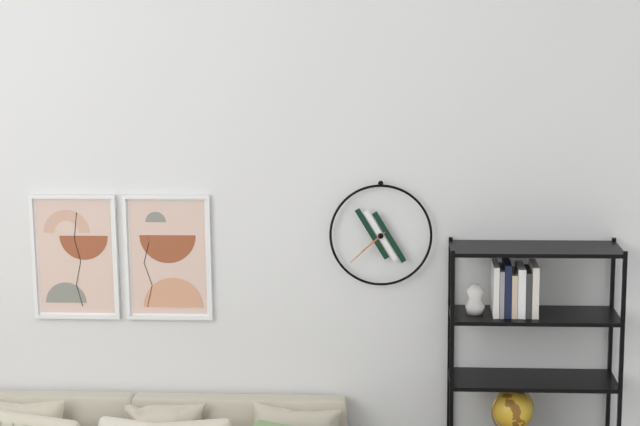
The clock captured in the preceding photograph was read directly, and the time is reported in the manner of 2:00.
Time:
7:38
